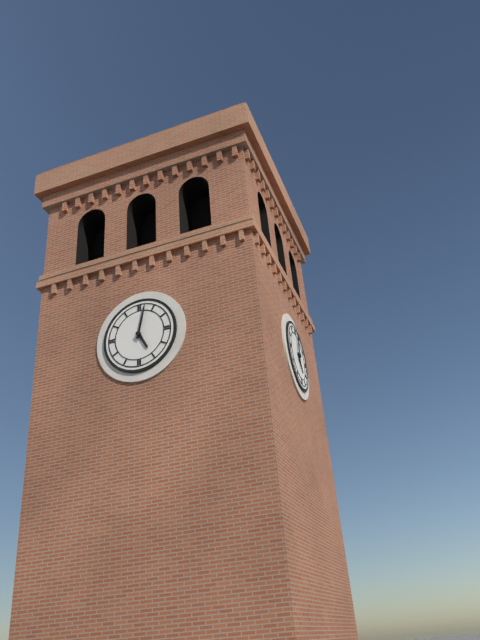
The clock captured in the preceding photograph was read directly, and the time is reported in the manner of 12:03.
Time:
5:02
